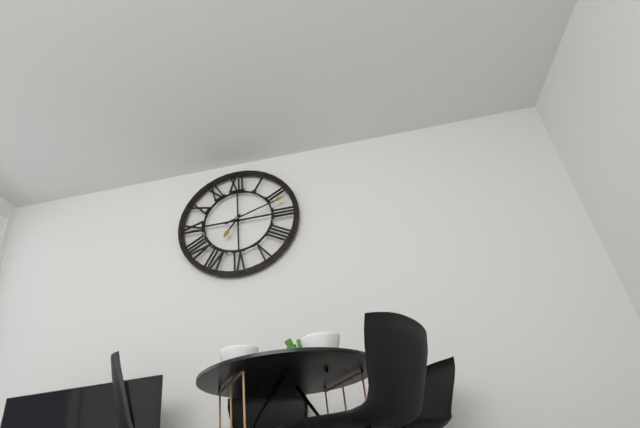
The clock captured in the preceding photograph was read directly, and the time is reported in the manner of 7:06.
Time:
7:12
